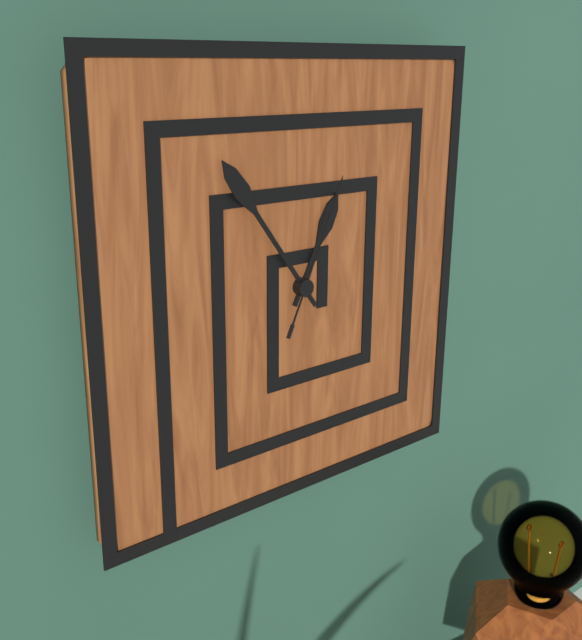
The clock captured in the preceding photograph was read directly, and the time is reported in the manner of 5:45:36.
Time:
12:54:04
